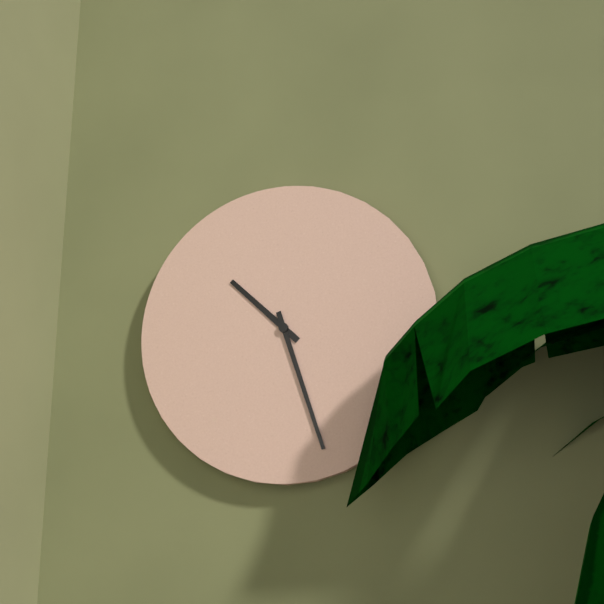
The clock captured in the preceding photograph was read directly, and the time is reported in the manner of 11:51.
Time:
10:27
